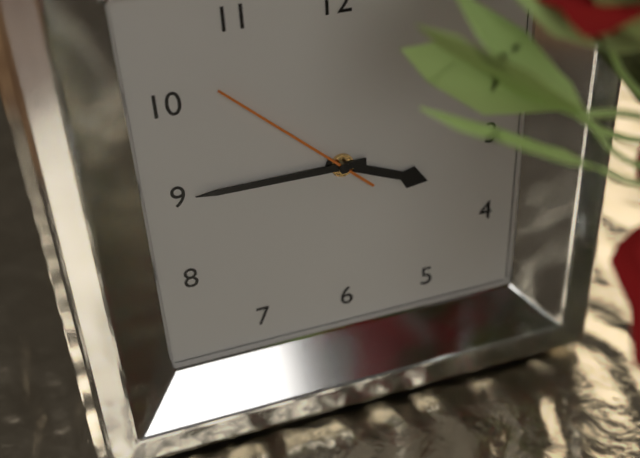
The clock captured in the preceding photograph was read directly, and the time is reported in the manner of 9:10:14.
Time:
3:45:52
